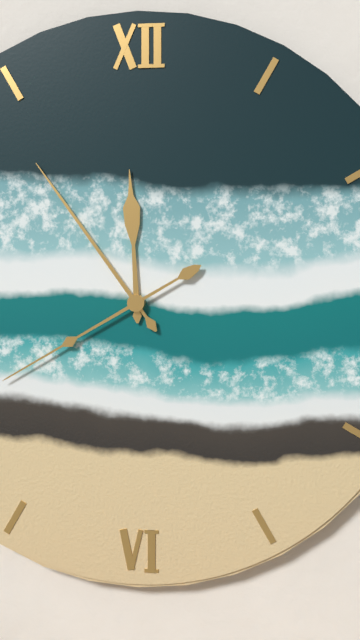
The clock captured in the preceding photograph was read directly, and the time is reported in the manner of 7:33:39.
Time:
11:54:40
